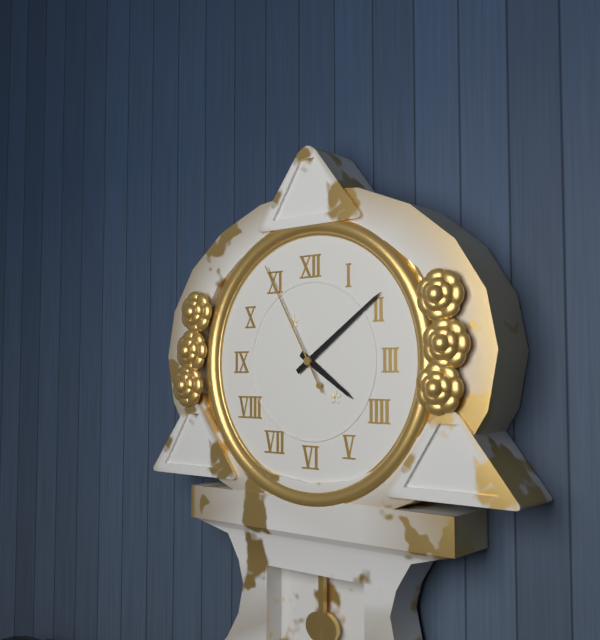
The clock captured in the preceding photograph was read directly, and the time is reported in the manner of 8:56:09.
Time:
4:09:55
